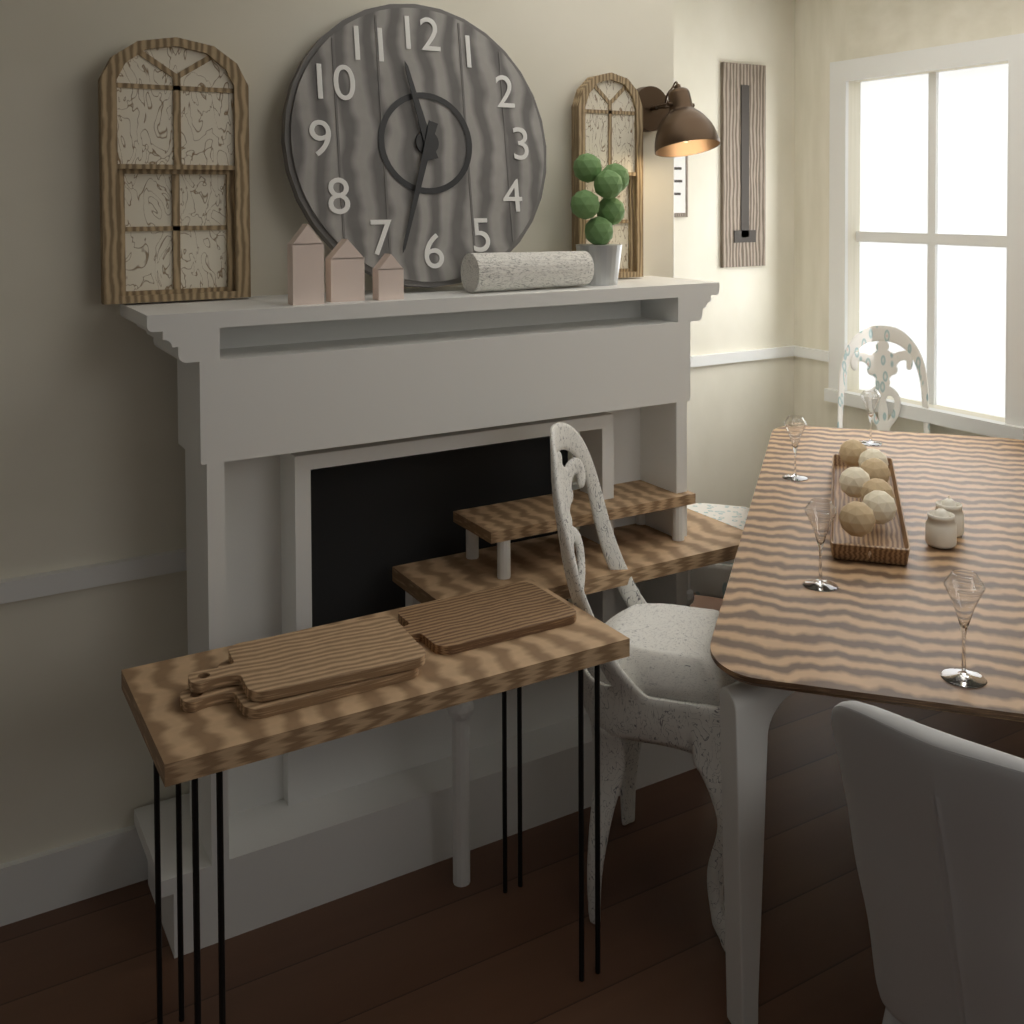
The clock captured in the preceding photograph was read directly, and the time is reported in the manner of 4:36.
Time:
11:33
